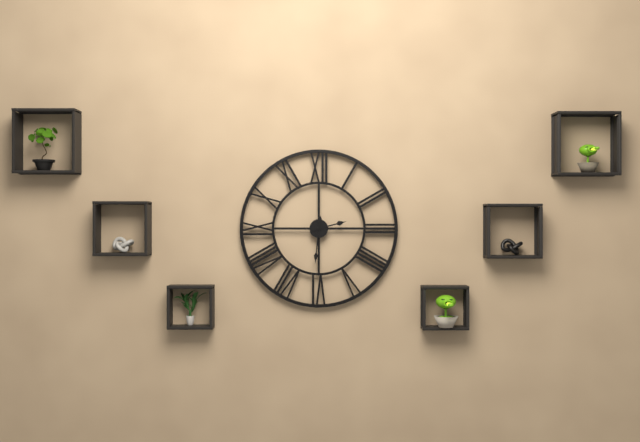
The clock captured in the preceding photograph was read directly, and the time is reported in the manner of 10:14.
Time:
2:31
